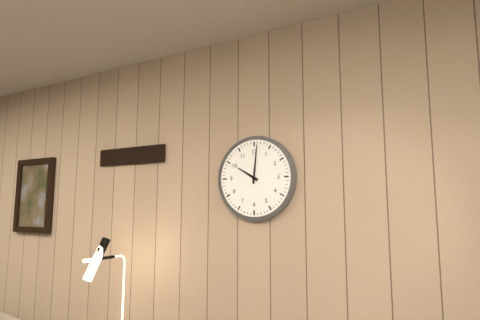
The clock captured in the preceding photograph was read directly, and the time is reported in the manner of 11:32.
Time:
10:01
